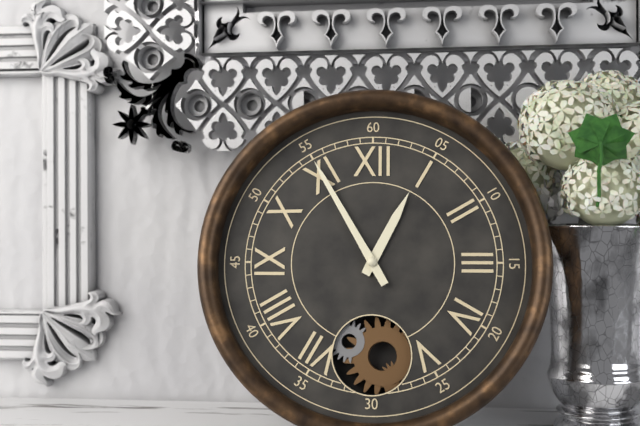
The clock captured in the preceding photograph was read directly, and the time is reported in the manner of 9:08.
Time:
12:55
